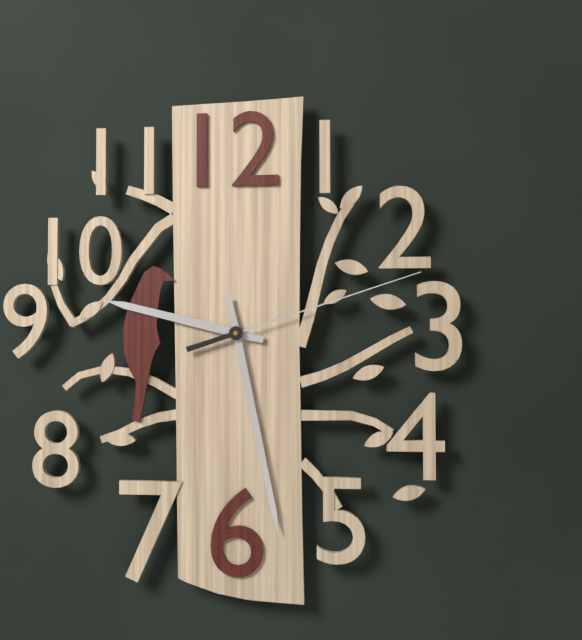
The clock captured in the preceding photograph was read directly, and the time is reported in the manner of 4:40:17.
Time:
9:28:12
